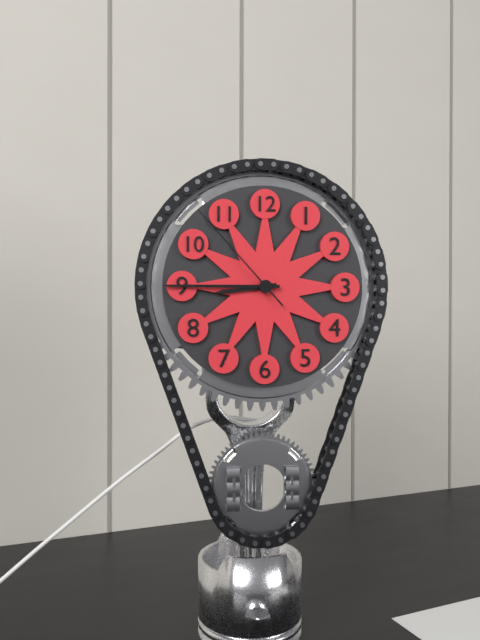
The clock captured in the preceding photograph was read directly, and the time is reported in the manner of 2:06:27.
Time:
8:45:53
